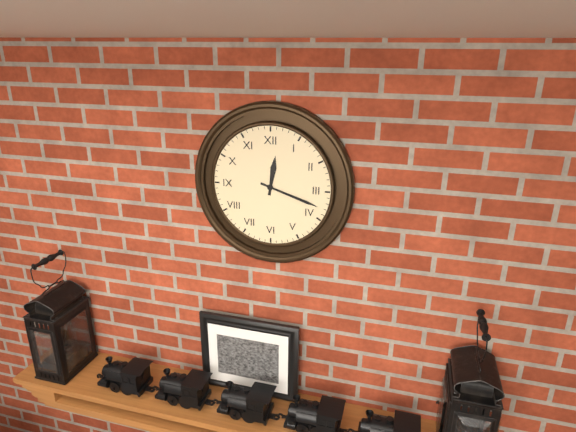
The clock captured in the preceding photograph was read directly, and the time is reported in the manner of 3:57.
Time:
12:18
